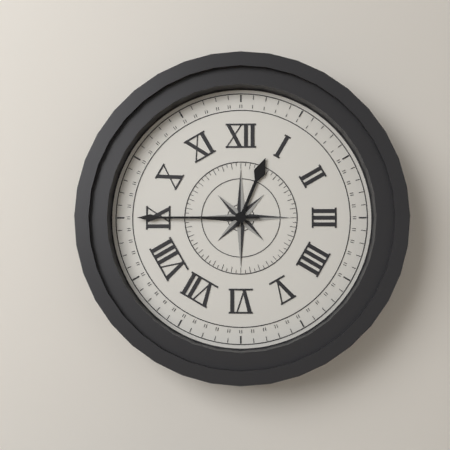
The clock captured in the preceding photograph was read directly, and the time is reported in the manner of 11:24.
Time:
12:45
